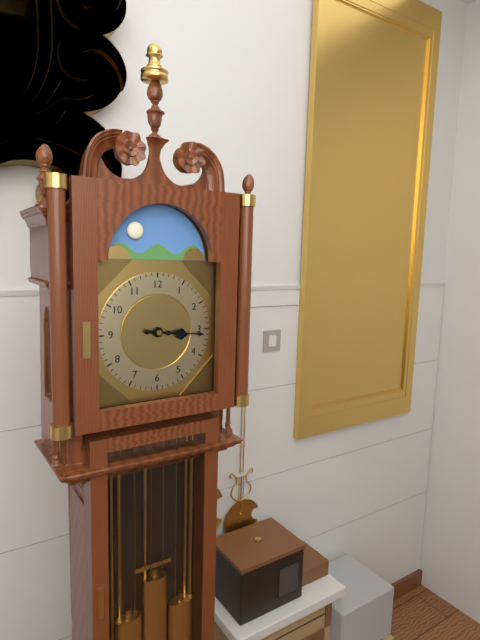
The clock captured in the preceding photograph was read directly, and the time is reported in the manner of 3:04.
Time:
3:16
